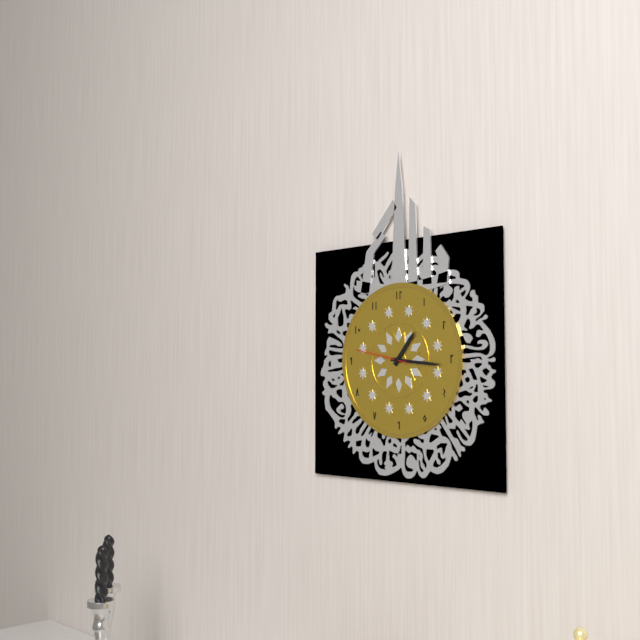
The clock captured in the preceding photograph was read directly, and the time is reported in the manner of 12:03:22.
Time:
1:16:47
